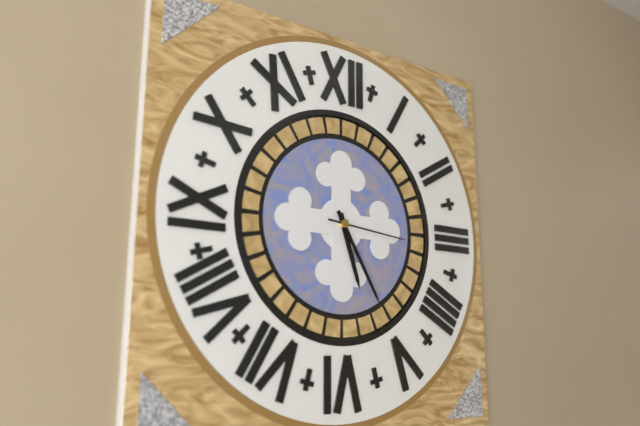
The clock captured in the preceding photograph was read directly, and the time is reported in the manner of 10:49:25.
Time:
5:25:16
